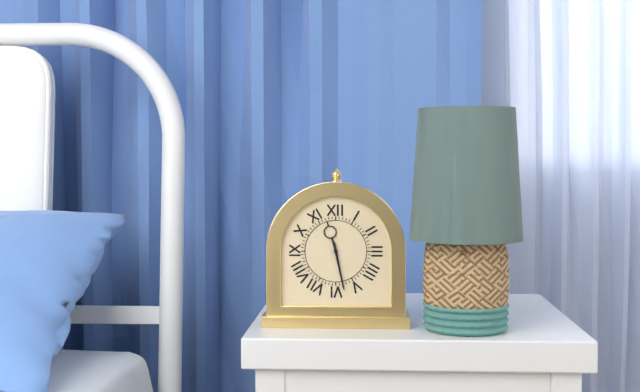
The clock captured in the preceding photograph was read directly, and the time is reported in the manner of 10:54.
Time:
11:28
